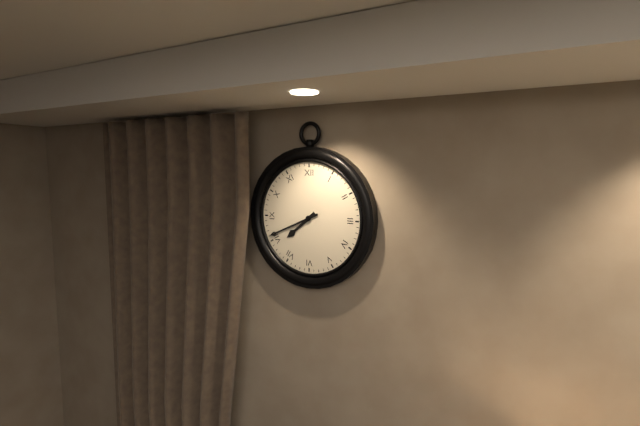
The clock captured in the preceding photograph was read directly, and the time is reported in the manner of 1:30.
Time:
7:41
